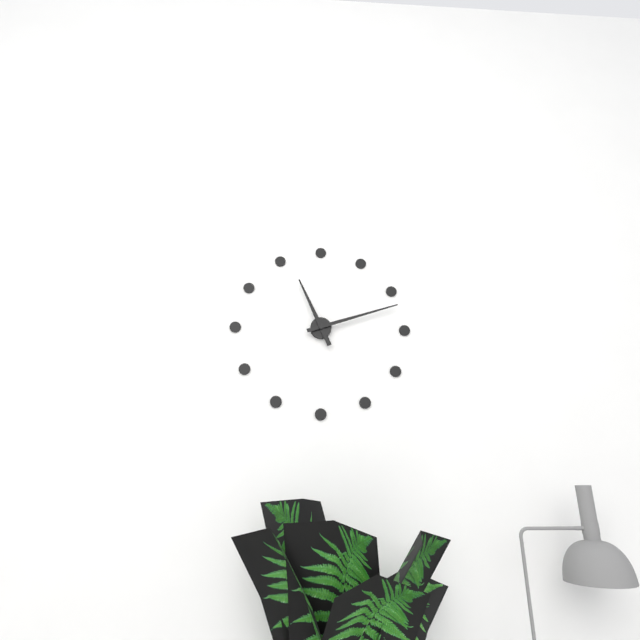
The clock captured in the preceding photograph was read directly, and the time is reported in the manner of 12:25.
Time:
11:12
